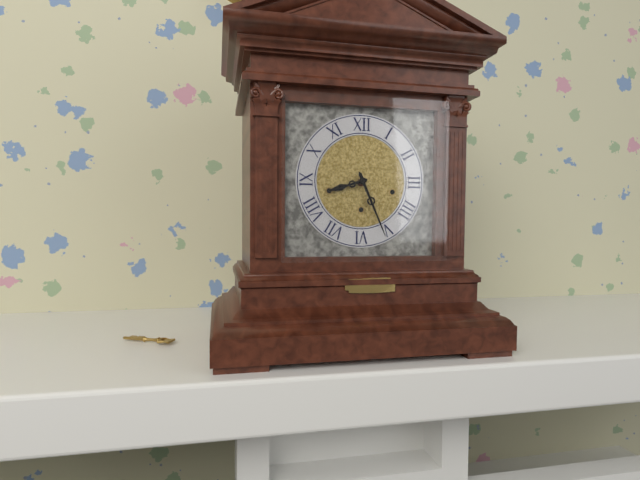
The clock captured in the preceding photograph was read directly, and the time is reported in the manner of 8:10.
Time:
8:26
